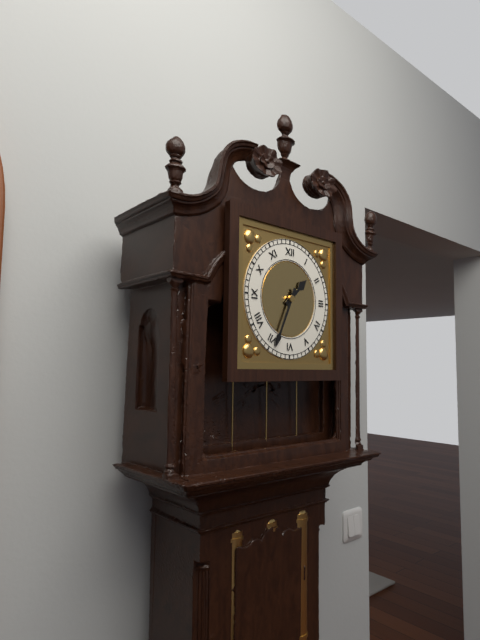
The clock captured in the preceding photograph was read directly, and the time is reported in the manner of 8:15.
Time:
1:34
